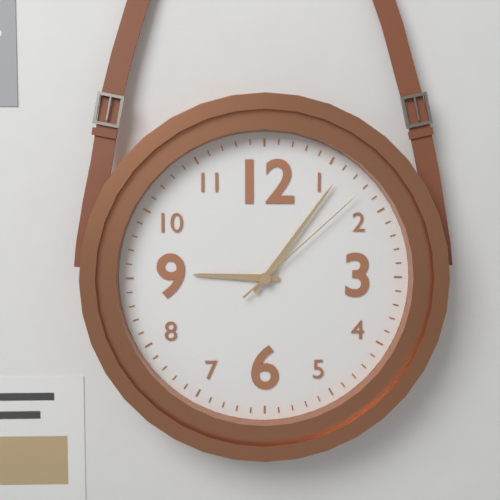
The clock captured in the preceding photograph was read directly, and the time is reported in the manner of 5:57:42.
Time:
9:06:08
